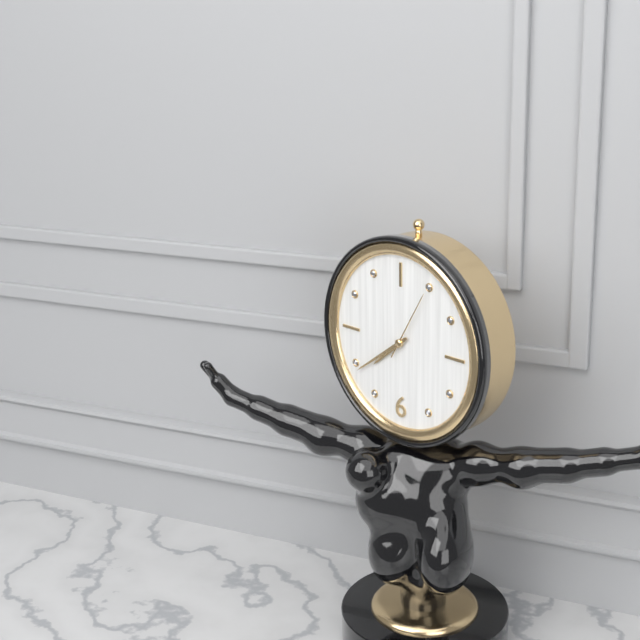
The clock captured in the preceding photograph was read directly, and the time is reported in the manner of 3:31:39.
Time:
7:39:05
